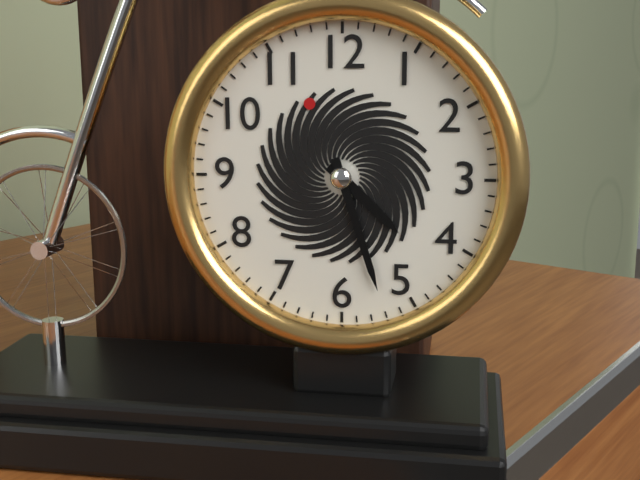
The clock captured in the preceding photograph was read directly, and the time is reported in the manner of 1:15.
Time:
4:27
